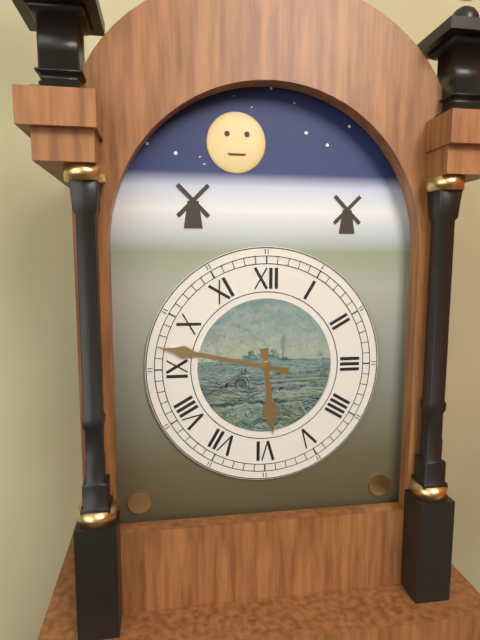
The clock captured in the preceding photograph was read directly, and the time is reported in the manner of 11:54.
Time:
5:47
